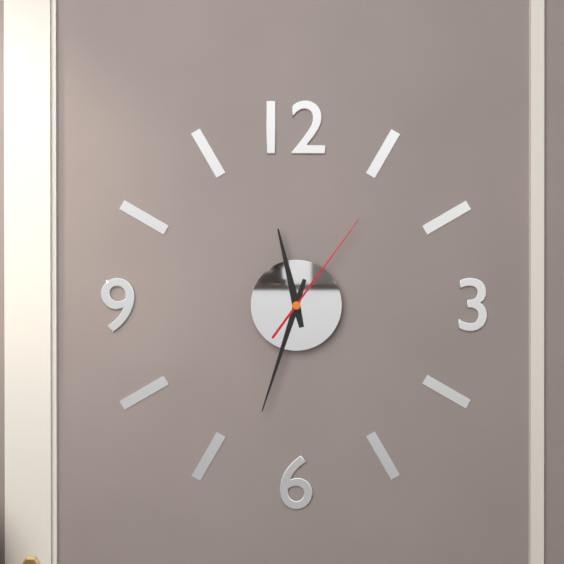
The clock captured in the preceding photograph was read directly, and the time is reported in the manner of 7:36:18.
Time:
11:33:06
